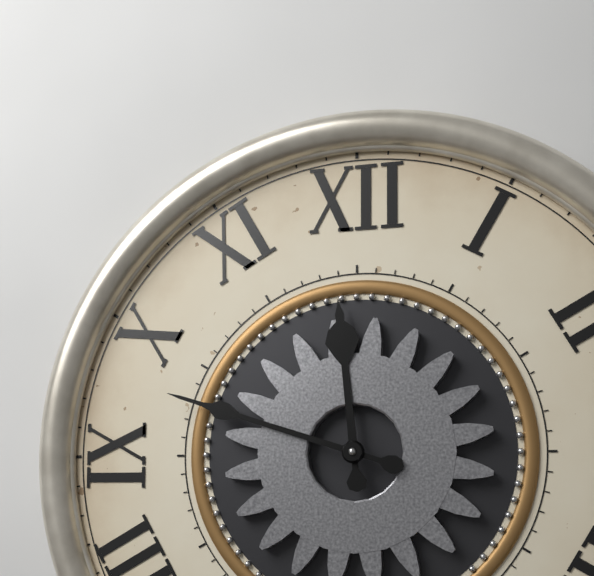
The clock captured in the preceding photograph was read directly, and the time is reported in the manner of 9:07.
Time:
11:48
